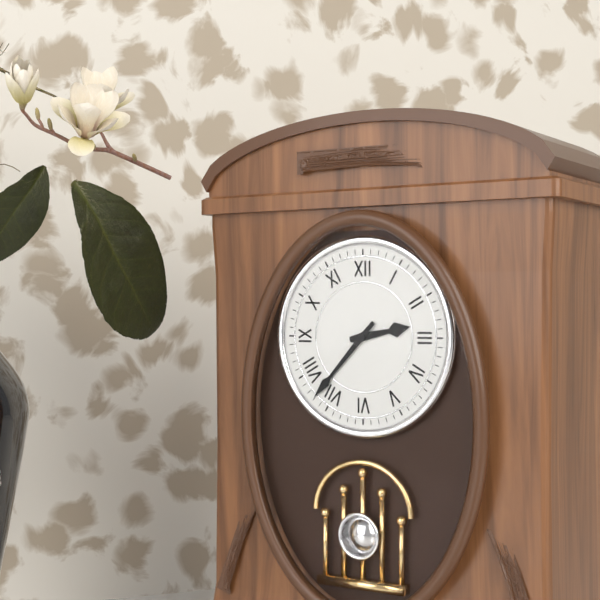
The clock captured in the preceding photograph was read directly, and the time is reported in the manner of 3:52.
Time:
2:37
